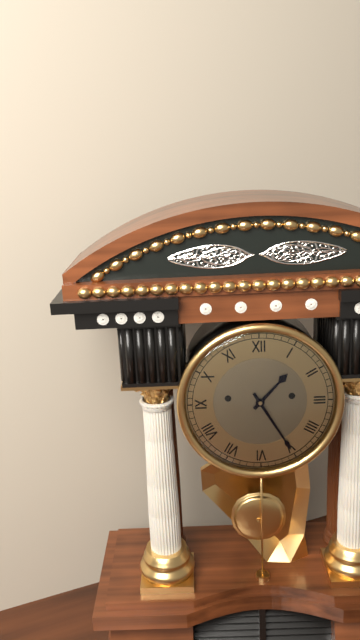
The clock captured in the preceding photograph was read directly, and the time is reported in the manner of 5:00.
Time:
1:25
